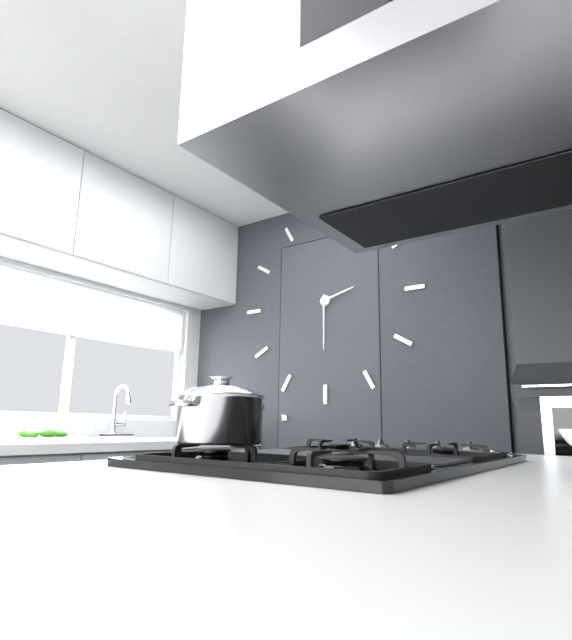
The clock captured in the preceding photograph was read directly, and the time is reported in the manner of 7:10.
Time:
2:30
